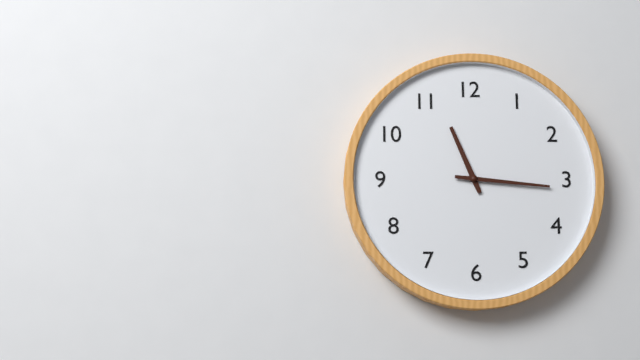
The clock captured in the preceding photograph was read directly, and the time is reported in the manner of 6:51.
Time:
11:16
